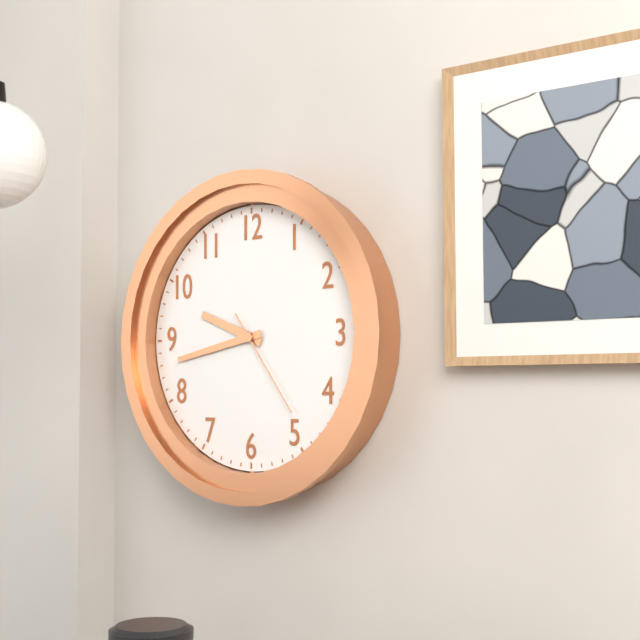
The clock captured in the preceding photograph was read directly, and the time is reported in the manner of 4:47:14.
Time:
9:43:24
